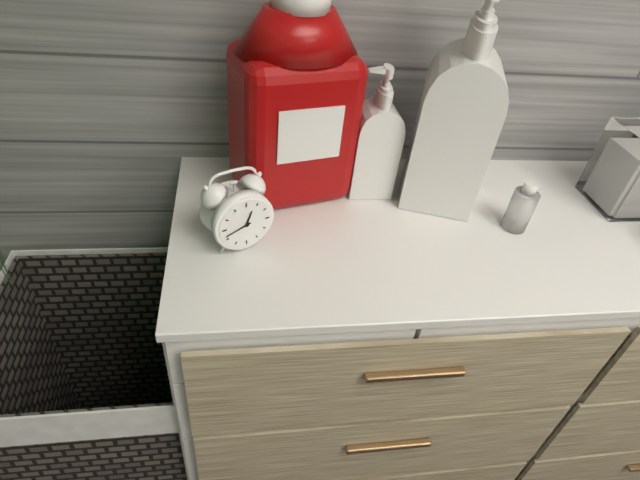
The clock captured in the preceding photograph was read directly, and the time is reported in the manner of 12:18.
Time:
12:42
